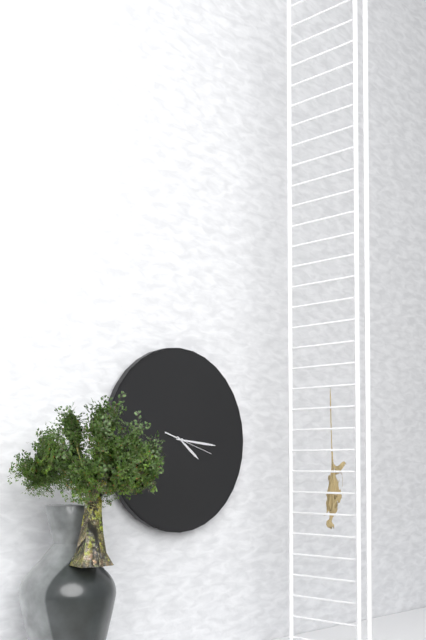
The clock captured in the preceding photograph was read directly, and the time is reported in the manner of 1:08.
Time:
4:16
